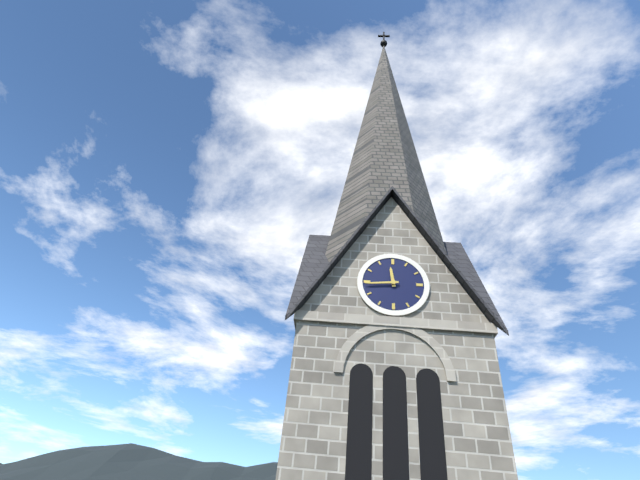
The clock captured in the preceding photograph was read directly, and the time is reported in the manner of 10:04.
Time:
11:44
